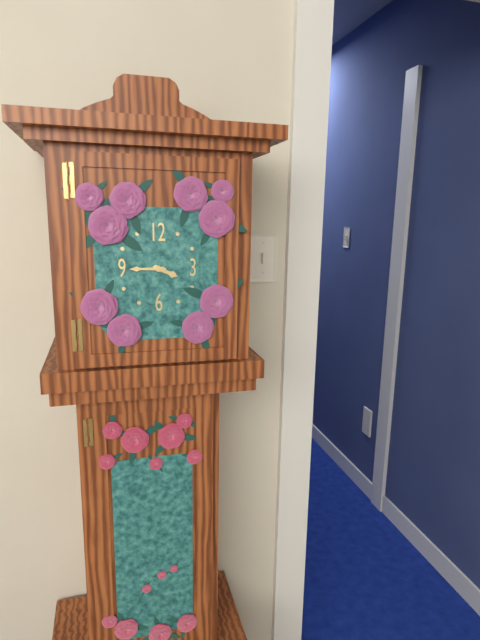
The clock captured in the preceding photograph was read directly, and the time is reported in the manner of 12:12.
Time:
3:45
